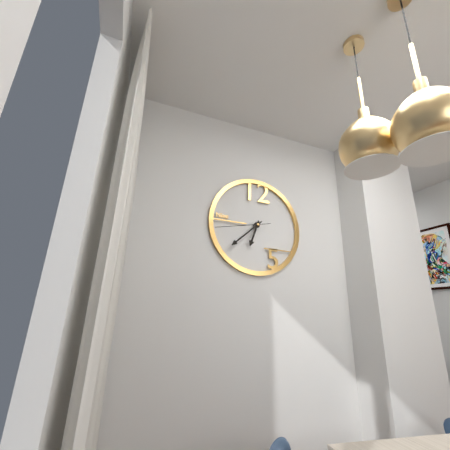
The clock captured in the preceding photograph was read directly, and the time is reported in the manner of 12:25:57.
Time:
6:38:43
